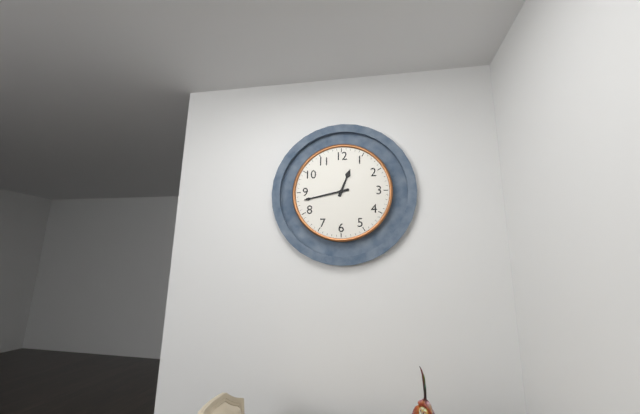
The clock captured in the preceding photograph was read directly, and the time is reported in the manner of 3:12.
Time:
12:43
